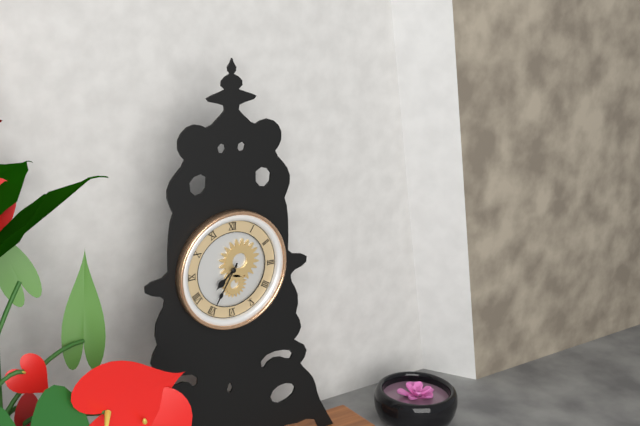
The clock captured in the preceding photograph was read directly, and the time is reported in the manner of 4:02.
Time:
7:35
